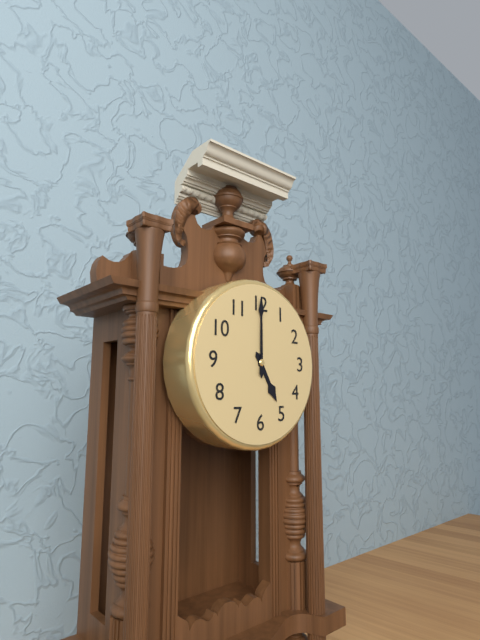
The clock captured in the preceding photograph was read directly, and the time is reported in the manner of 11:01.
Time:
5:00
